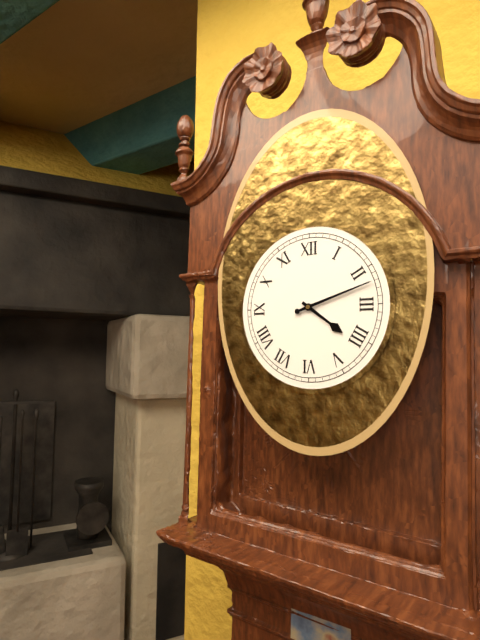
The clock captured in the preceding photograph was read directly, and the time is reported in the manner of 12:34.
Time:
4:12
